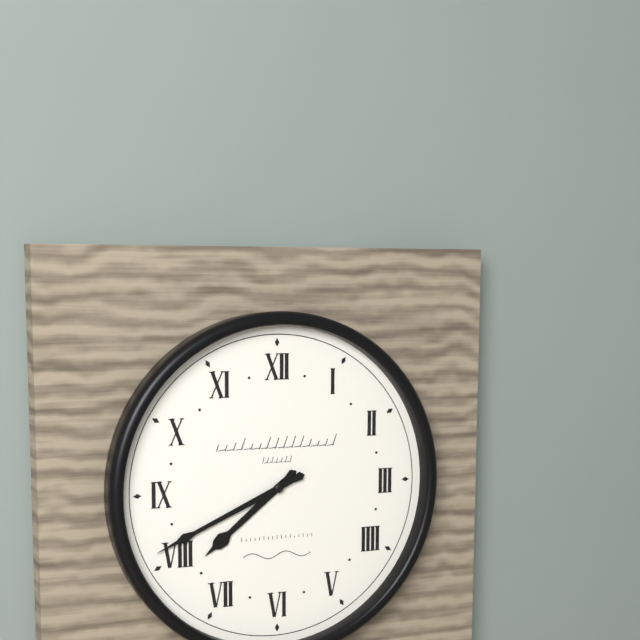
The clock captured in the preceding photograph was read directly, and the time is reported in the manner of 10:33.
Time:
7:41
